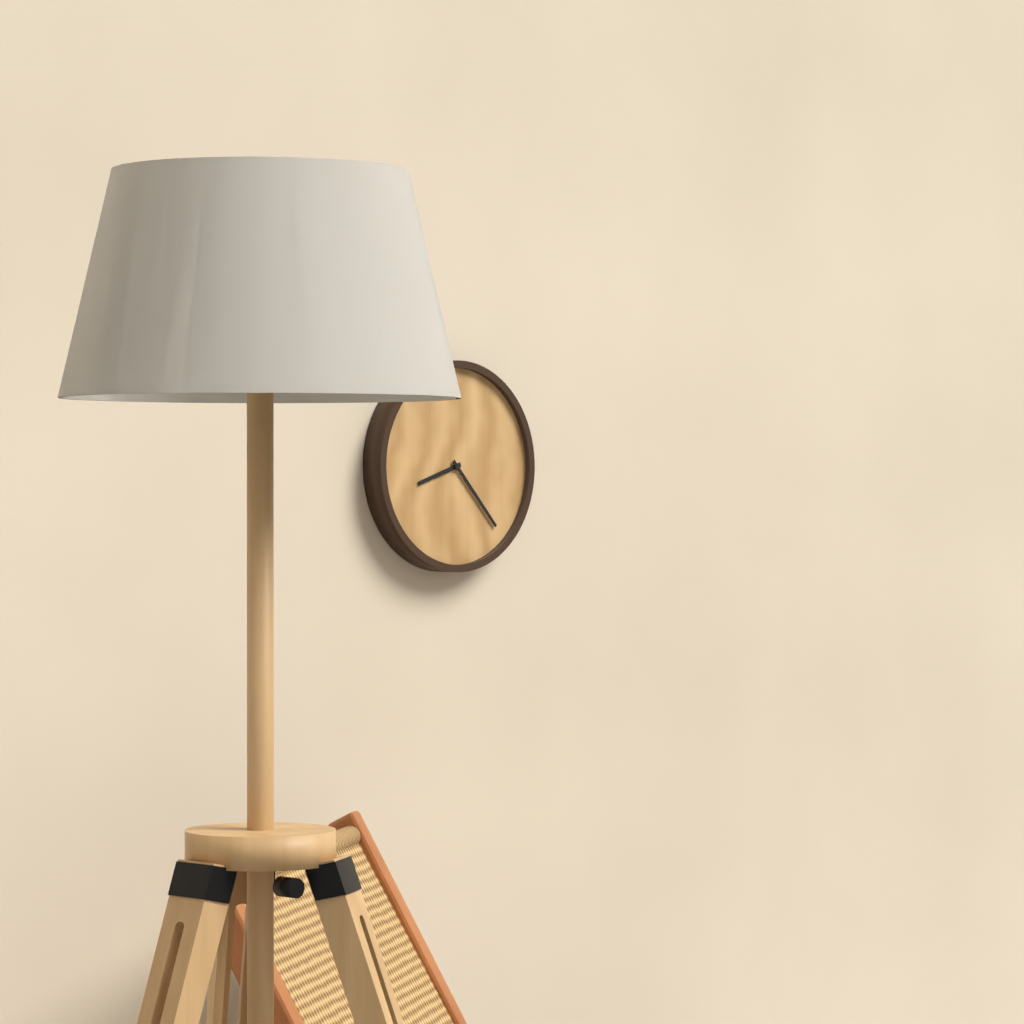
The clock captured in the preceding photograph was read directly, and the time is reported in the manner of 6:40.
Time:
8:23
